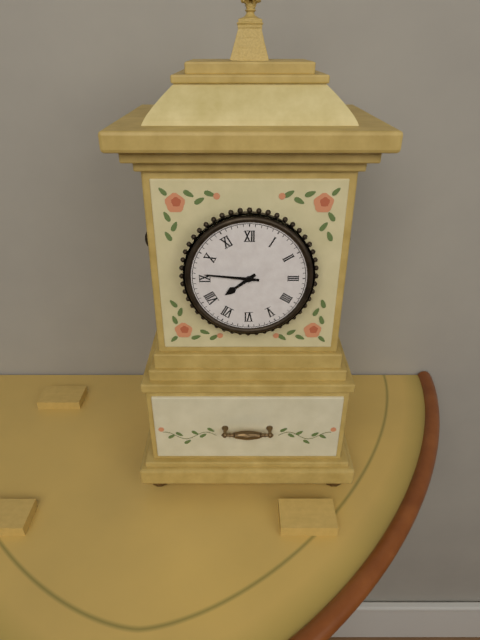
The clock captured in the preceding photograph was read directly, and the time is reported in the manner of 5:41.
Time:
7:46
